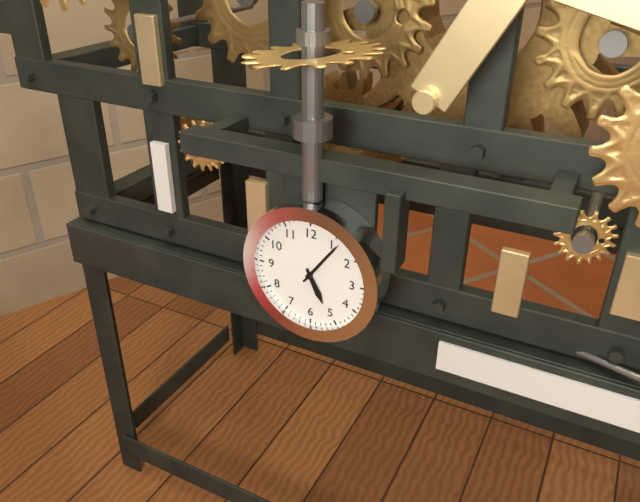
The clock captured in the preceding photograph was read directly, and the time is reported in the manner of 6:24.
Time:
5:06
